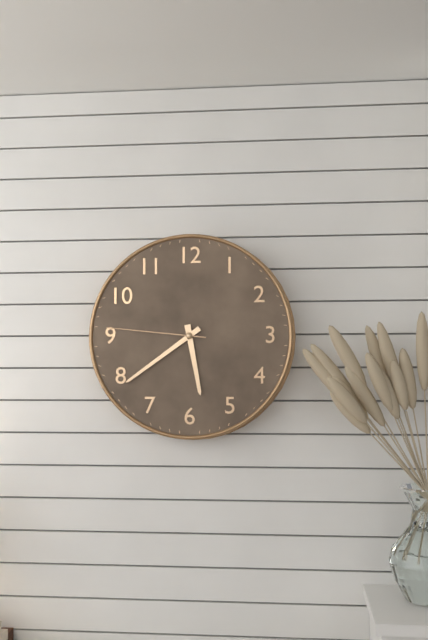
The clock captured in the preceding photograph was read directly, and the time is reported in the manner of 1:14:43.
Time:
5:39:46
